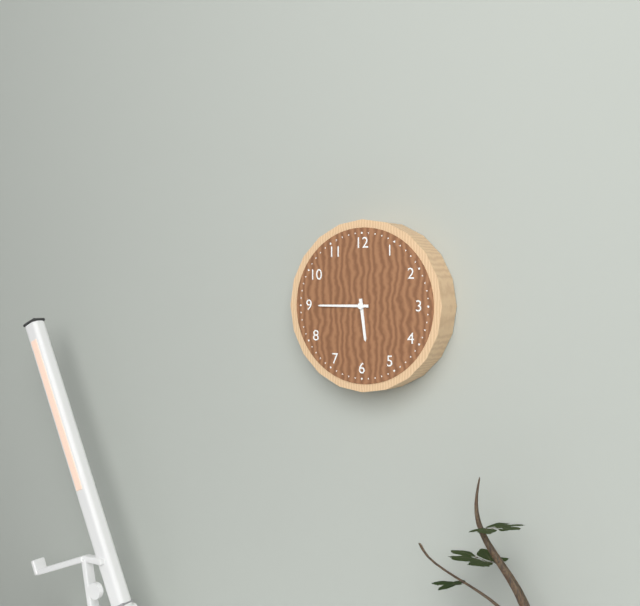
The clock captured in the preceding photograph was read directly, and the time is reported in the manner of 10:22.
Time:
5:45
